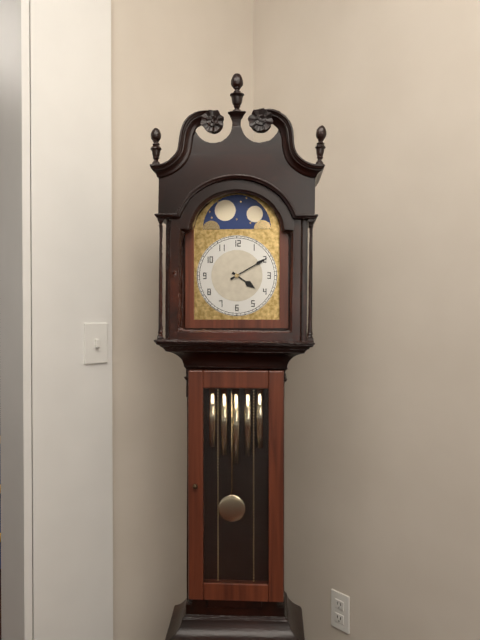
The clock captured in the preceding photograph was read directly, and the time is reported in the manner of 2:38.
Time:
4:10
